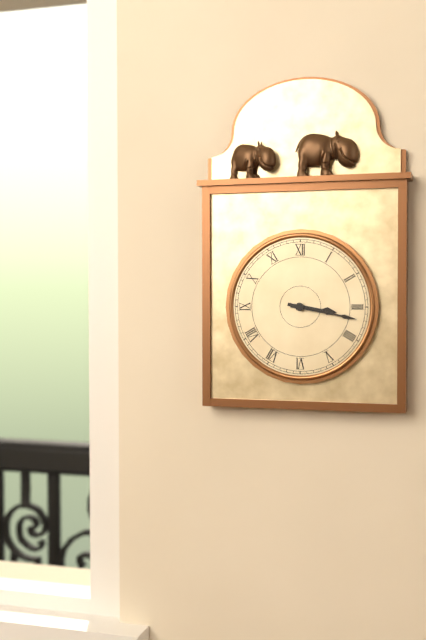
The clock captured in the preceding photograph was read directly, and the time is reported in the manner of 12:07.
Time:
3:17
